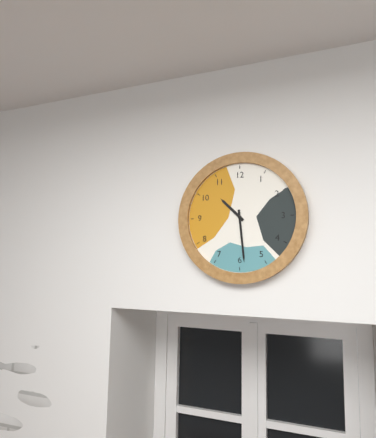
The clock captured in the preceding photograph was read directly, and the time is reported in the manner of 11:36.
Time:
10:29
